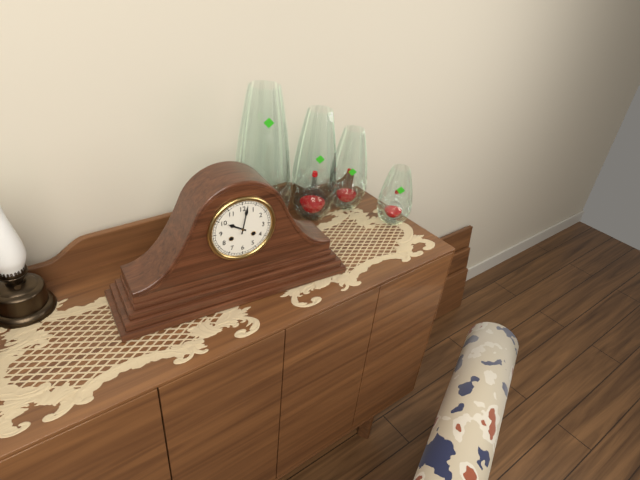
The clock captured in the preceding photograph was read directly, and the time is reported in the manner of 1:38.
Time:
10:02
